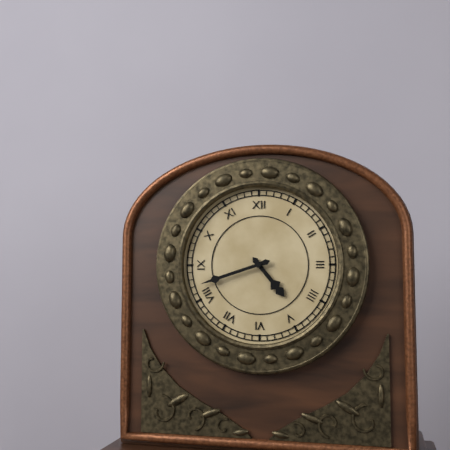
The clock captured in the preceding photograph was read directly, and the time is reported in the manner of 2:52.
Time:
4:42
